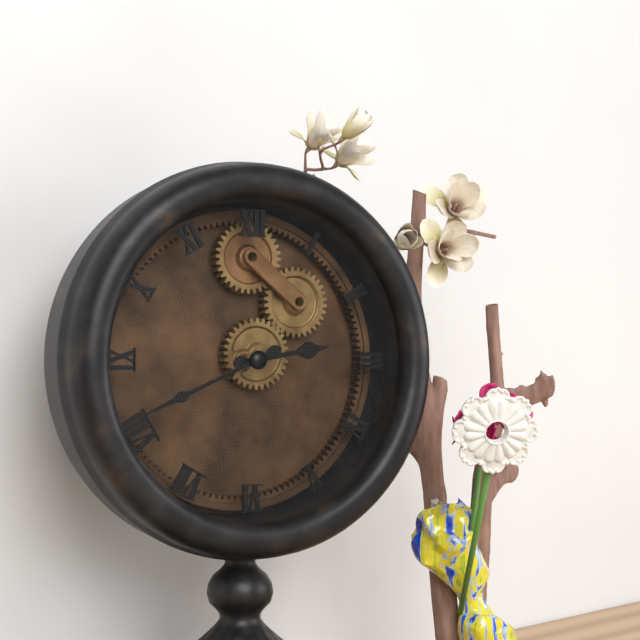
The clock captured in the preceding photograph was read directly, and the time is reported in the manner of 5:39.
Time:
2:41
